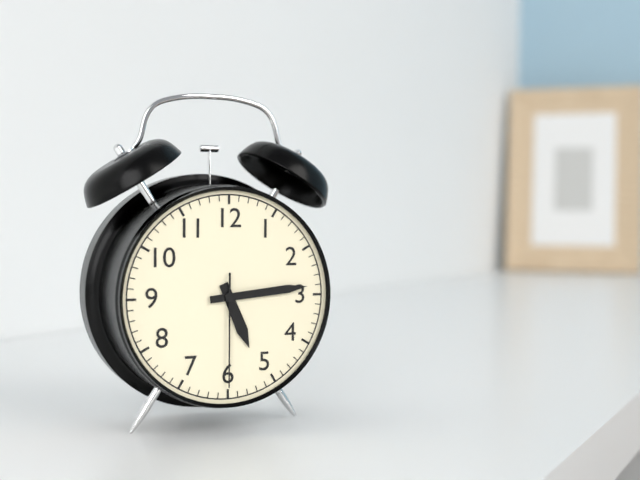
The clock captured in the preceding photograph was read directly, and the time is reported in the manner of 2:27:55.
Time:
5:14:30
